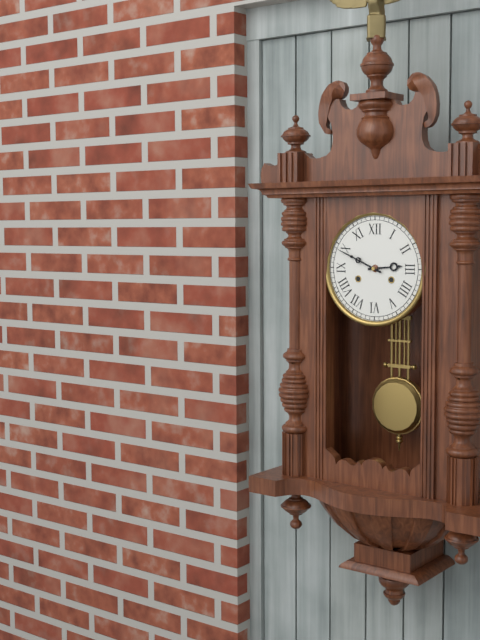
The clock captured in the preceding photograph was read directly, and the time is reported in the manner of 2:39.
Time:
2:49
